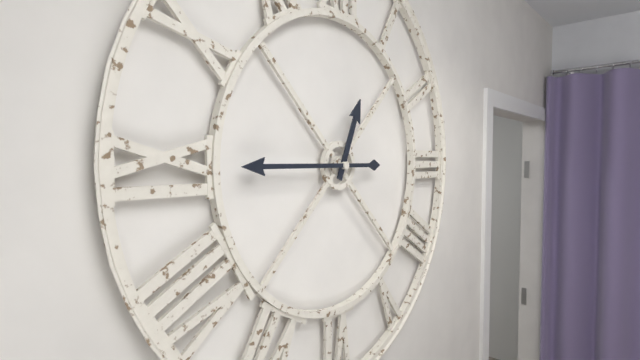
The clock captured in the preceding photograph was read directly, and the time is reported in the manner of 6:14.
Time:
12:45
